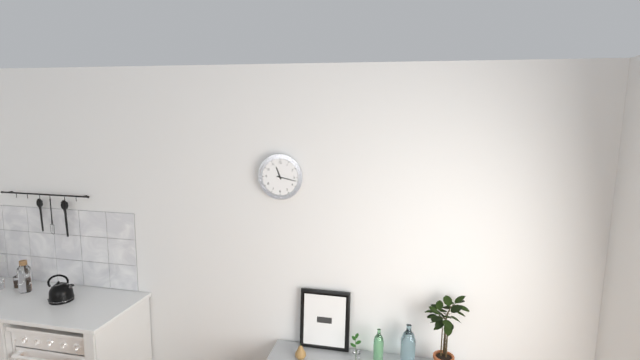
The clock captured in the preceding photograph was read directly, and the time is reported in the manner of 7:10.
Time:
11:17
